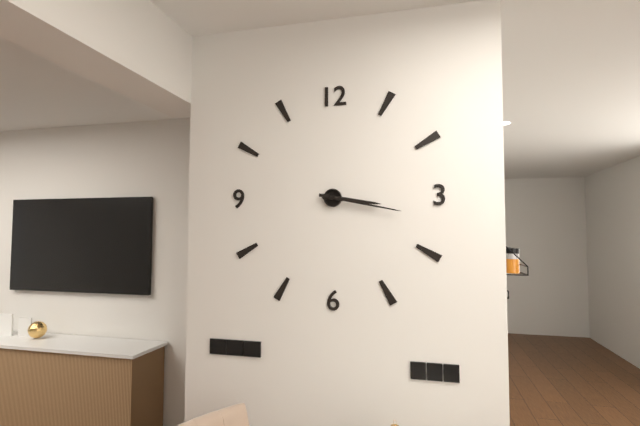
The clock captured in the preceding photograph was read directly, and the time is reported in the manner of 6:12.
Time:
3:17
